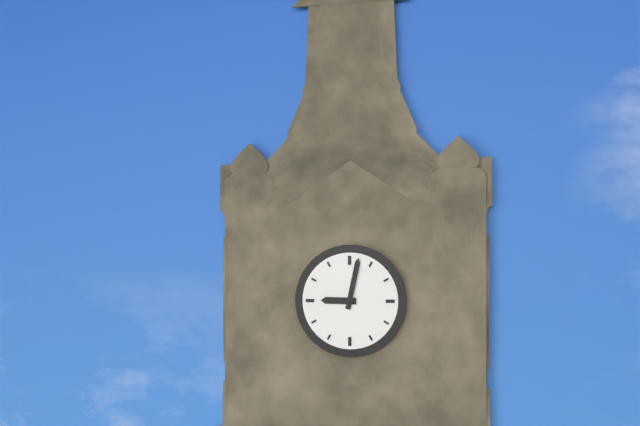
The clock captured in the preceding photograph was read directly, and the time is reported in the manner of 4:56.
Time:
9:02
